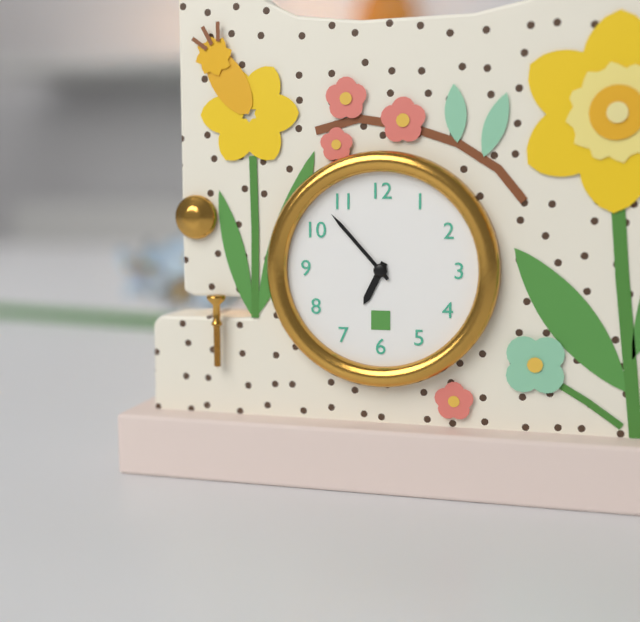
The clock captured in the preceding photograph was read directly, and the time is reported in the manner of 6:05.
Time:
6:53
